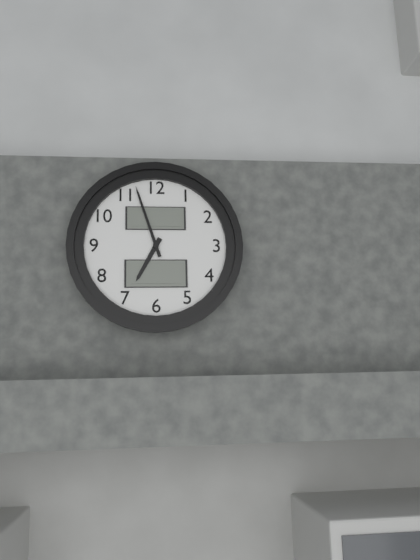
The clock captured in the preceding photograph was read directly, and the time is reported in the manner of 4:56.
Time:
6:57
